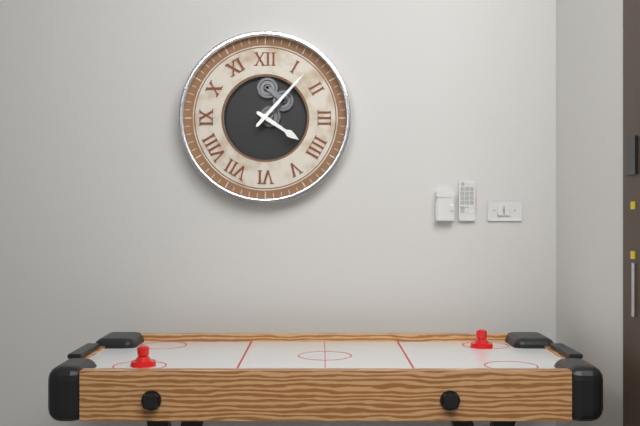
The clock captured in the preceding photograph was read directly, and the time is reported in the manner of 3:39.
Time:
4:07
